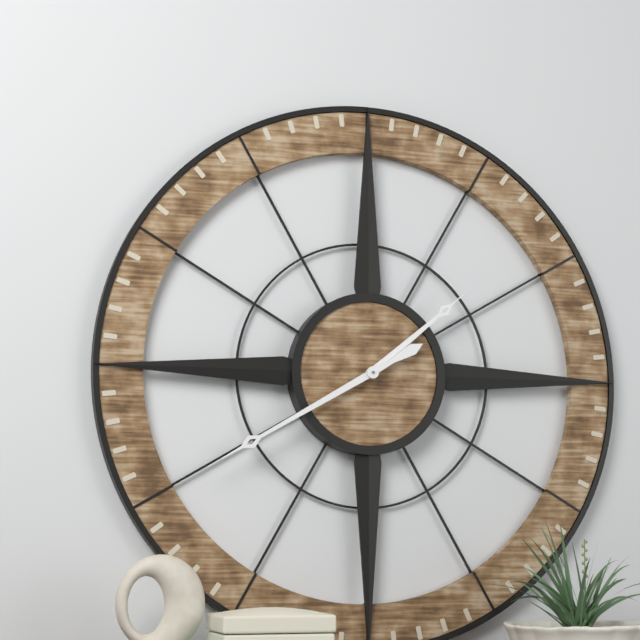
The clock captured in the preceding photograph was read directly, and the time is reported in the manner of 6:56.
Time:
1:40
